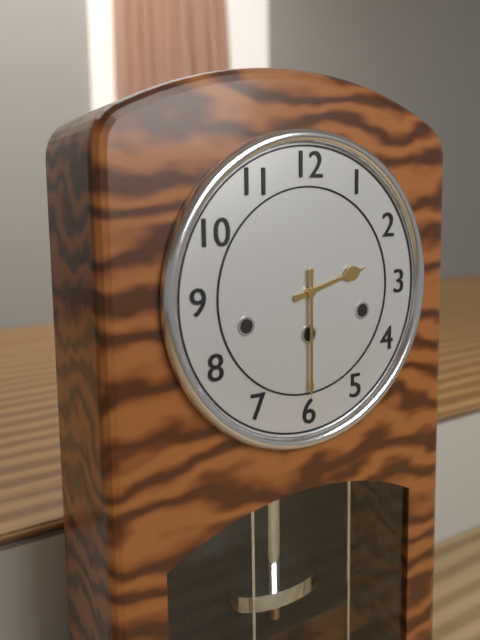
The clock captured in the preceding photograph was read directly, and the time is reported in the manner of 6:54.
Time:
2:30
